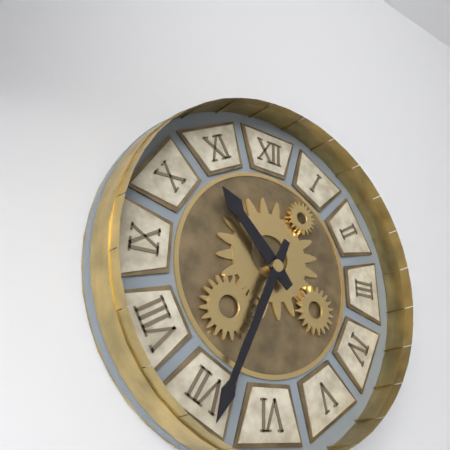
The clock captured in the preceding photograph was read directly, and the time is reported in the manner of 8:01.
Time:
10:34
